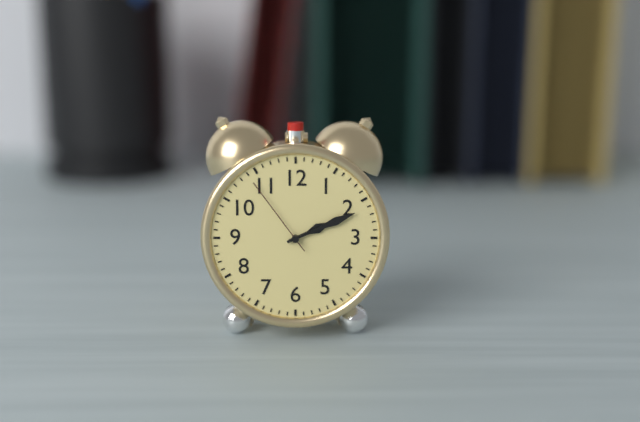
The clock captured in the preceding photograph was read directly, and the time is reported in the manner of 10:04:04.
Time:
2:11:54
